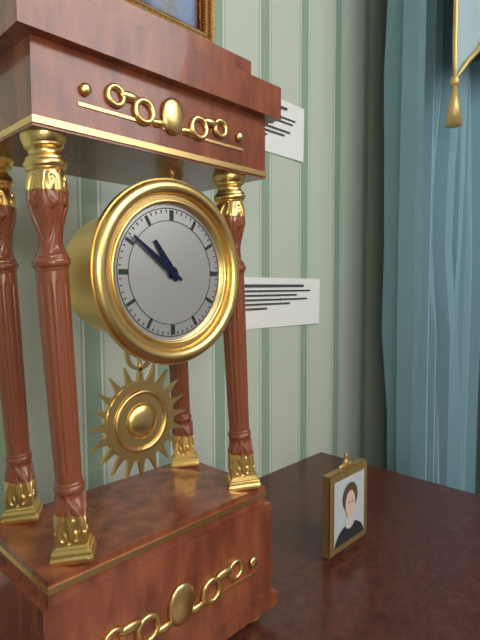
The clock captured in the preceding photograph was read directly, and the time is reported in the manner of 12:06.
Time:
10:51
